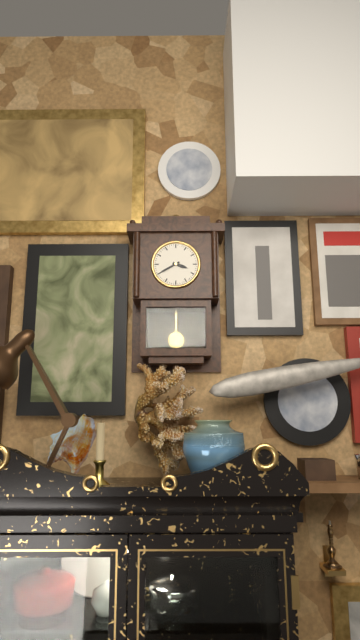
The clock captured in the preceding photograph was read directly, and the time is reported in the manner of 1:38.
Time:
3:40
